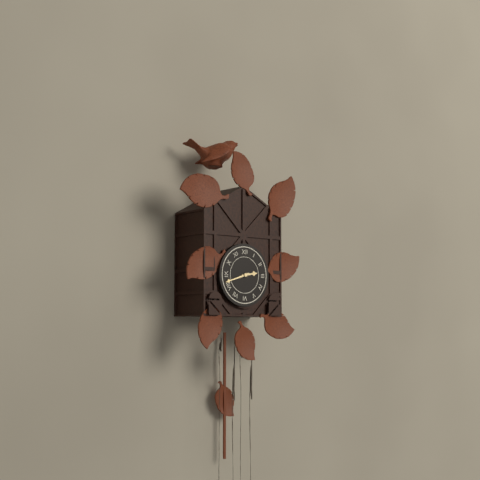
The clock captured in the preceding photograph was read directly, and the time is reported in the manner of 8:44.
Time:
2:42
